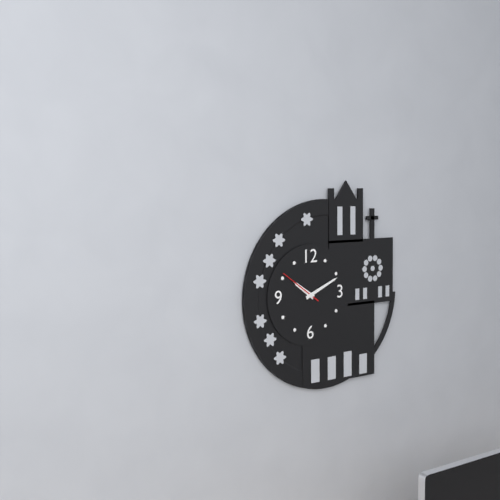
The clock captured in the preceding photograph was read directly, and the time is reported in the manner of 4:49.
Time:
10:11
